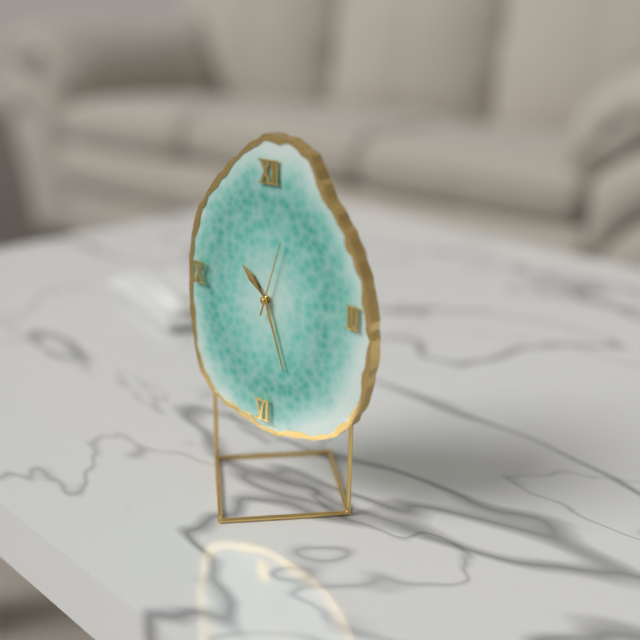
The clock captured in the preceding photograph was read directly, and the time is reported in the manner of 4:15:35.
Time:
10:27:03
